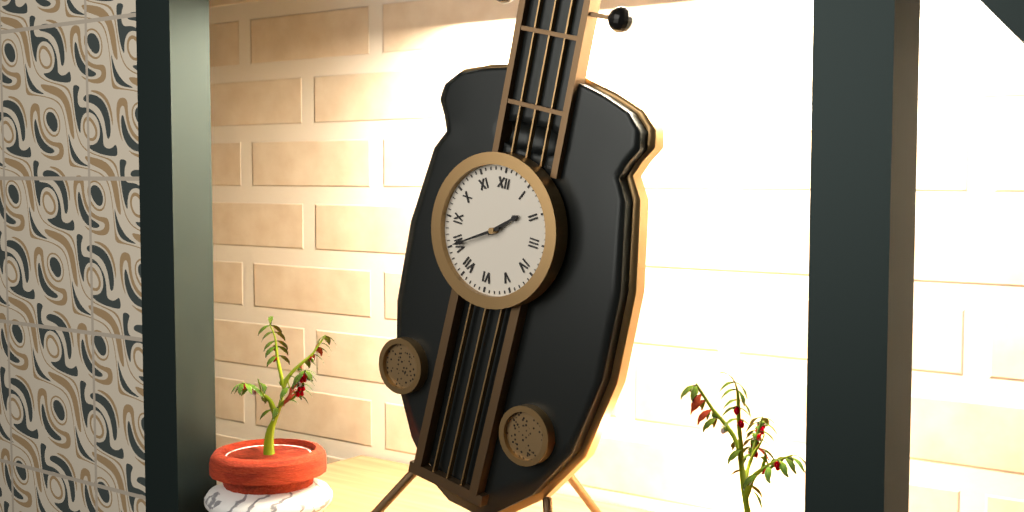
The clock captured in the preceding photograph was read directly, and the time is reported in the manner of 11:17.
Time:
1:40
